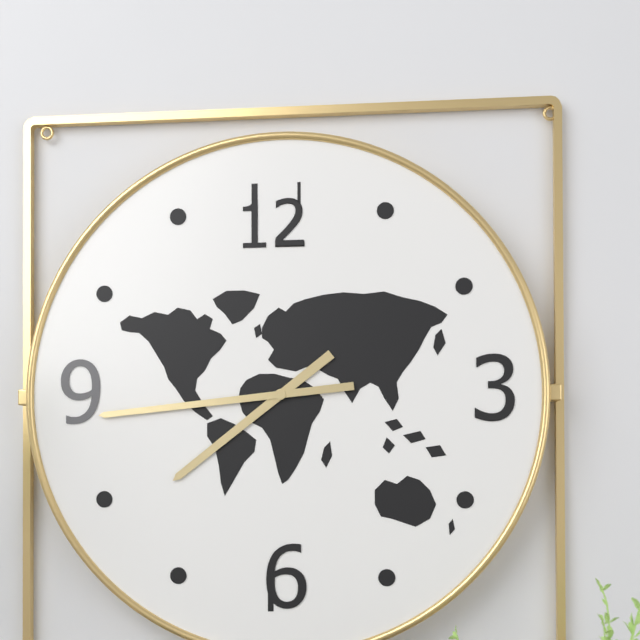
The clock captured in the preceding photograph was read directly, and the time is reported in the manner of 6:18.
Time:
7:44
